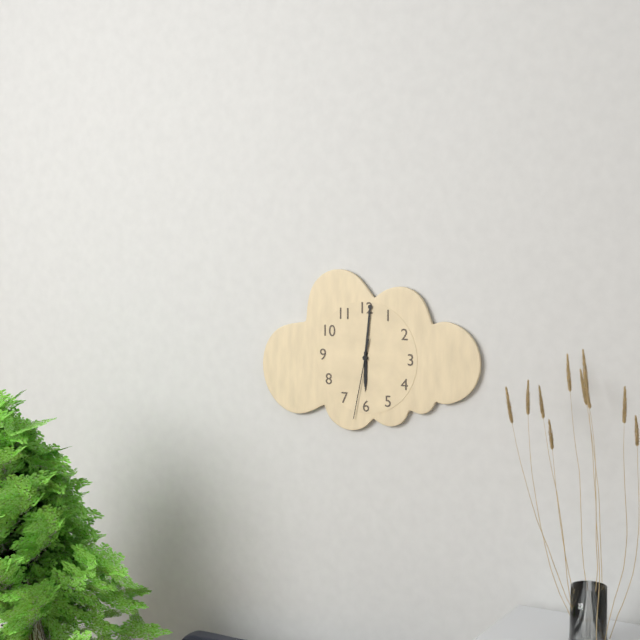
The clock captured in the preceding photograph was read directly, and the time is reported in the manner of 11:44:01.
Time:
6:01:32
